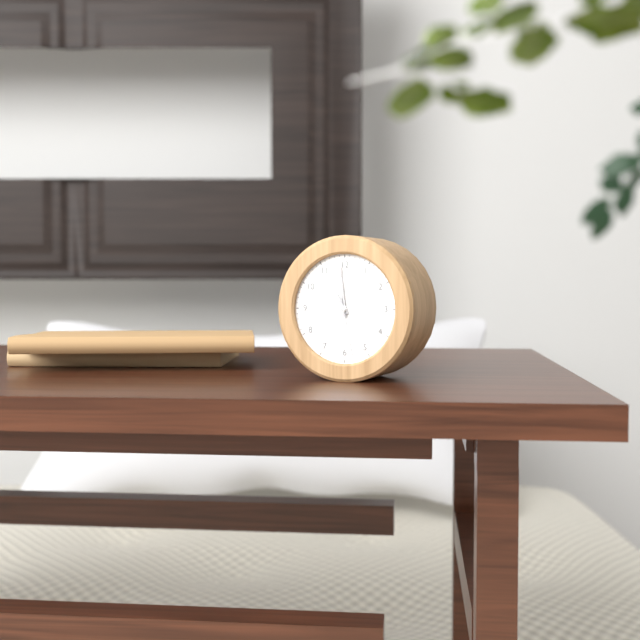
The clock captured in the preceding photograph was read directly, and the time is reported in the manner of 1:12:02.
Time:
10:59:28
